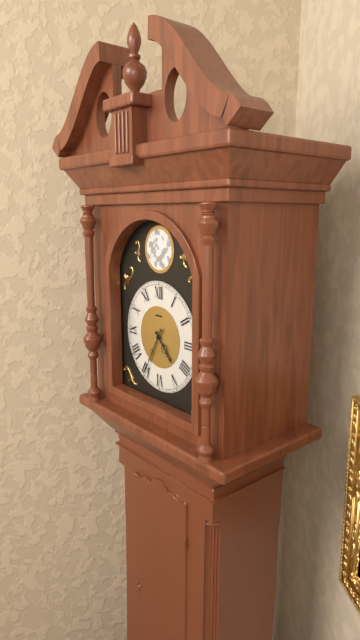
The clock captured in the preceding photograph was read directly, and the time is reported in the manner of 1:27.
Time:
4:35
